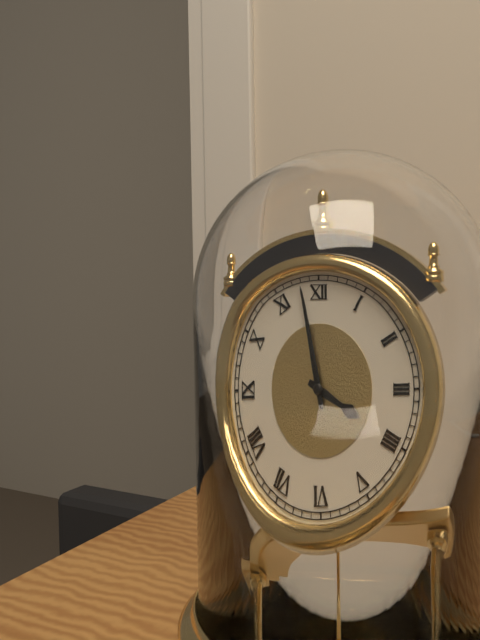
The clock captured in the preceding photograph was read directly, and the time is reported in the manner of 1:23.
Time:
3:58
